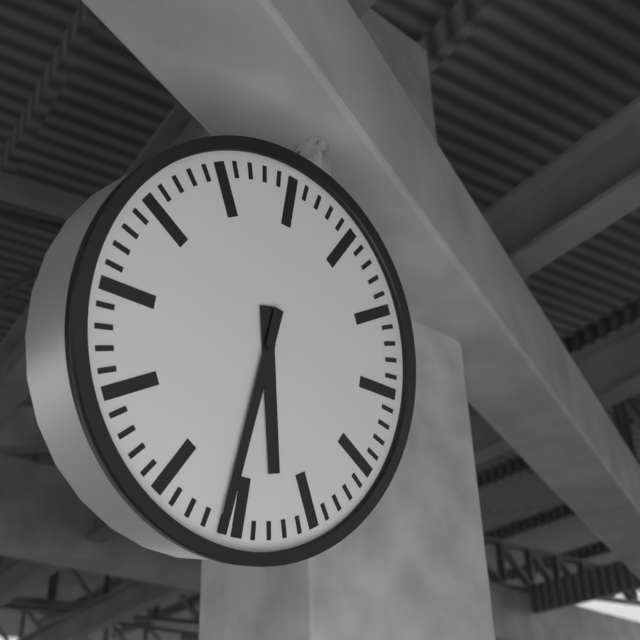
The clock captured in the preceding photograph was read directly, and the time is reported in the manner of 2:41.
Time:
5:31
